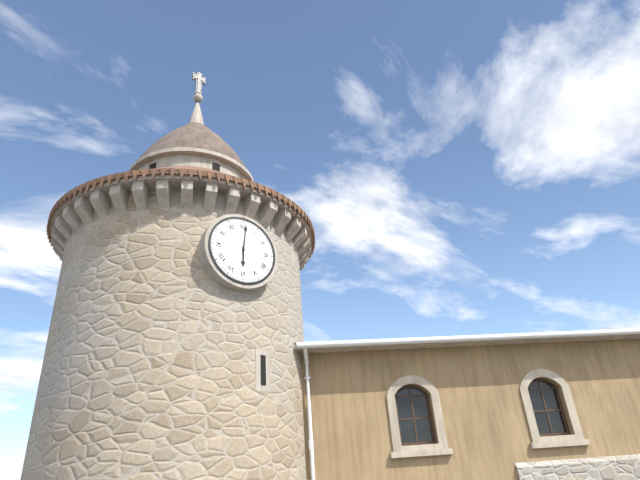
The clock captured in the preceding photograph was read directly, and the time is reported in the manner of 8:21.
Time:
6:01
